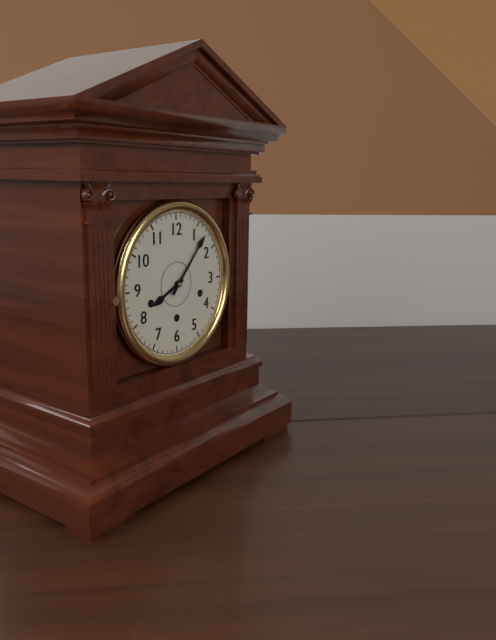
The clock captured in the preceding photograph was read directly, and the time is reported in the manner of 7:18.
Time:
8:07
